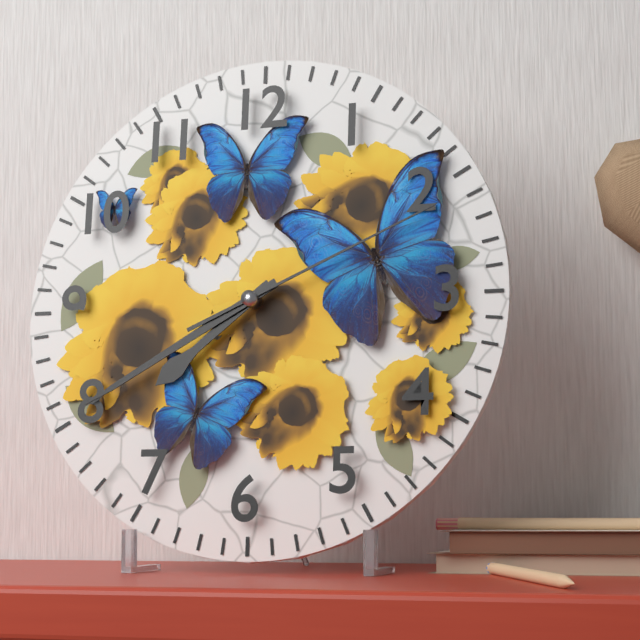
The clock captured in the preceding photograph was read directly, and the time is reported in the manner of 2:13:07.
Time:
7:40:11
